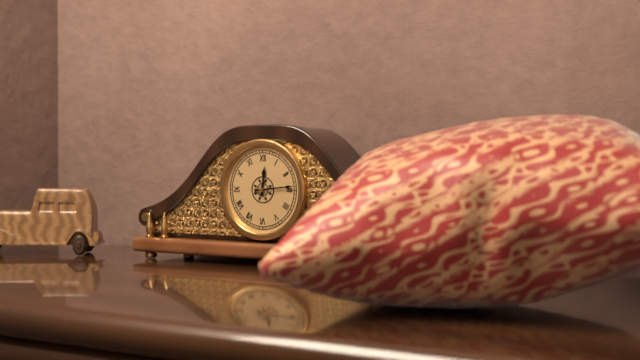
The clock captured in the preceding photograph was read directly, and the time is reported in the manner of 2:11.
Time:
12:14
